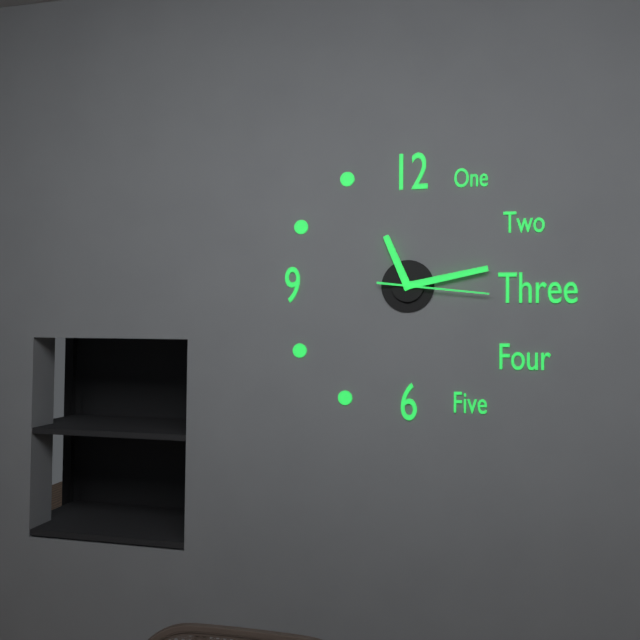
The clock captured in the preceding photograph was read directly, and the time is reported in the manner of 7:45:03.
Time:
11:13:16
